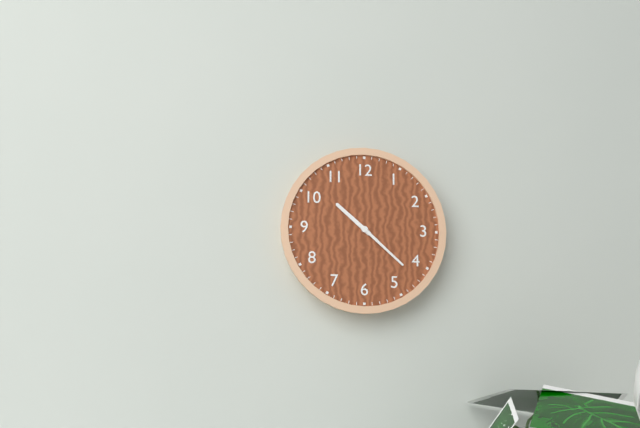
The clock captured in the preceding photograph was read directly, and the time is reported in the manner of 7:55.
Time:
10:22
